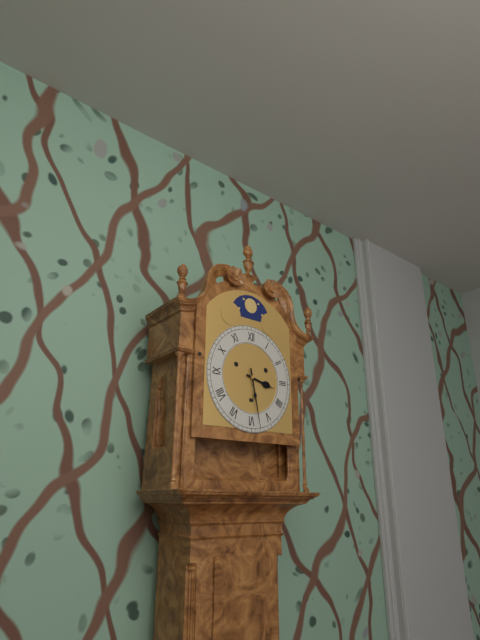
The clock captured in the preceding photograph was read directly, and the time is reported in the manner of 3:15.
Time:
3:28
